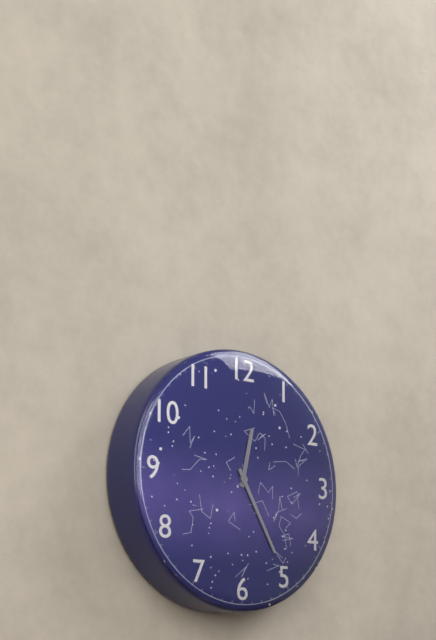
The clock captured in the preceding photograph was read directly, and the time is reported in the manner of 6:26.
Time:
12:25
